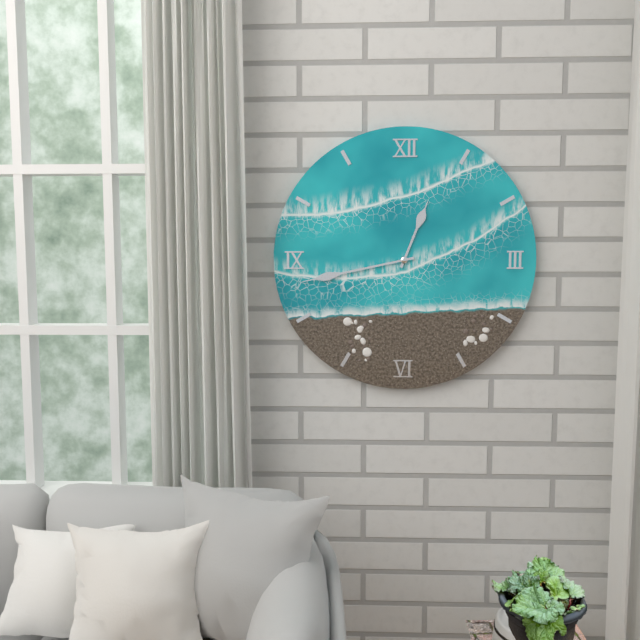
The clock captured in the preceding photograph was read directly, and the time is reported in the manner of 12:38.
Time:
12:43
